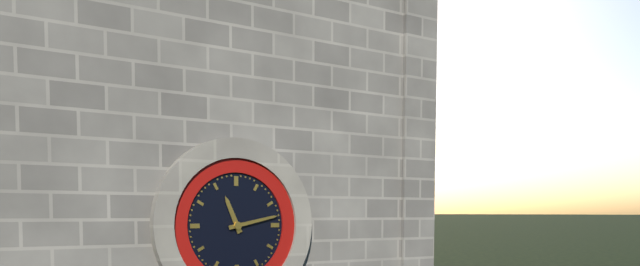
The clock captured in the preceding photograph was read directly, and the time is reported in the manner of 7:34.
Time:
11:13
